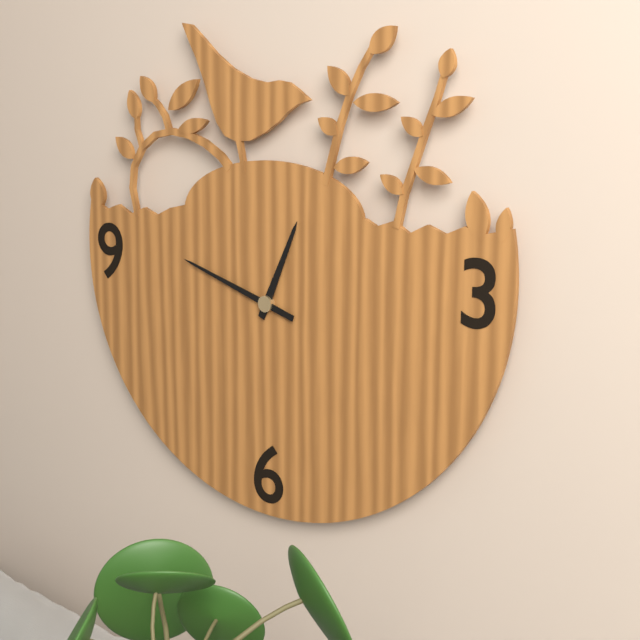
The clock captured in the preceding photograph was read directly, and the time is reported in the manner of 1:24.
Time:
12:48
